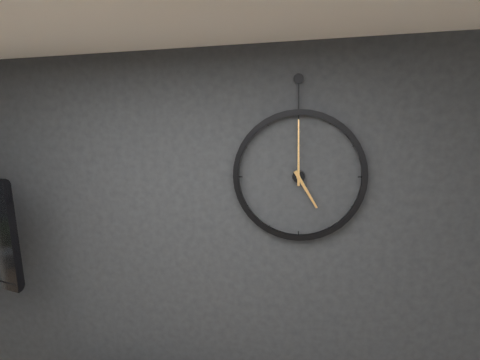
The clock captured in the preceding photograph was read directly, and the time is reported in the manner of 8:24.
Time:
5:00
